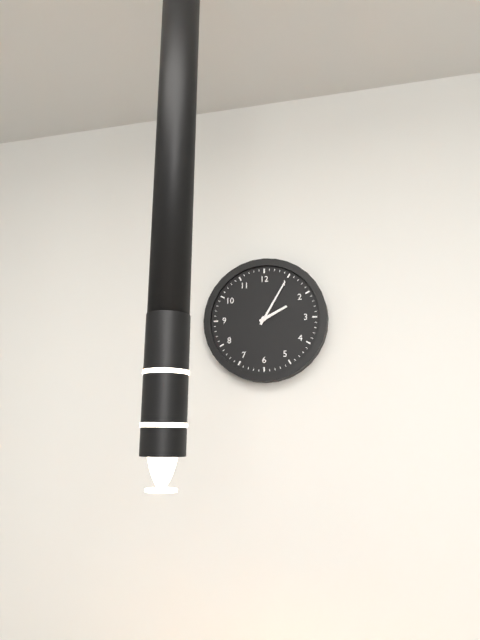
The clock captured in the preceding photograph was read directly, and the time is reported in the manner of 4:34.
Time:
2:05
